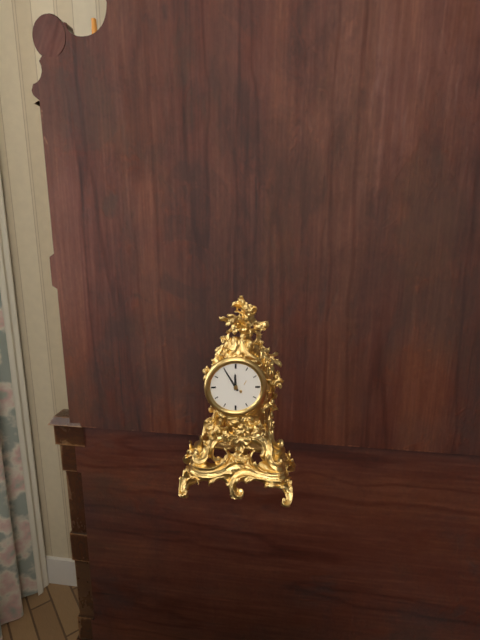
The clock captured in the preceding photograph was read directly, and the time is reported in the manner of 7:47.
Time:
11:55
